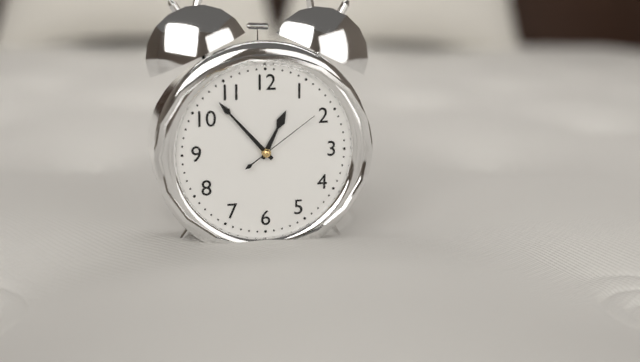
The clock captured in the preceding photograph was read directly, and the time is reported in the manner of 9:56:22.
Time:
12:53:09
